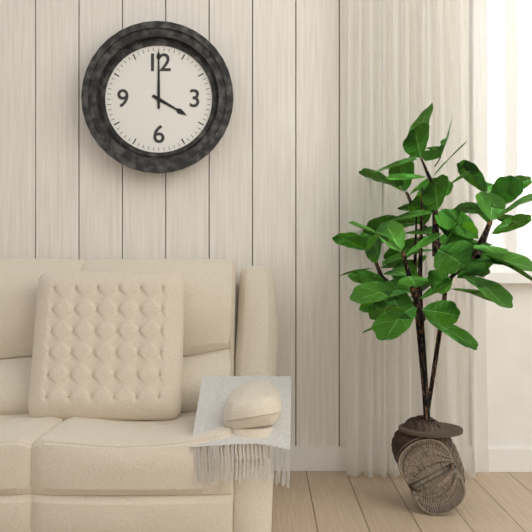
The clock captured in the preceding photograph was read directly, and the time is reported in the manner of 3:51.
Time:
4:00
